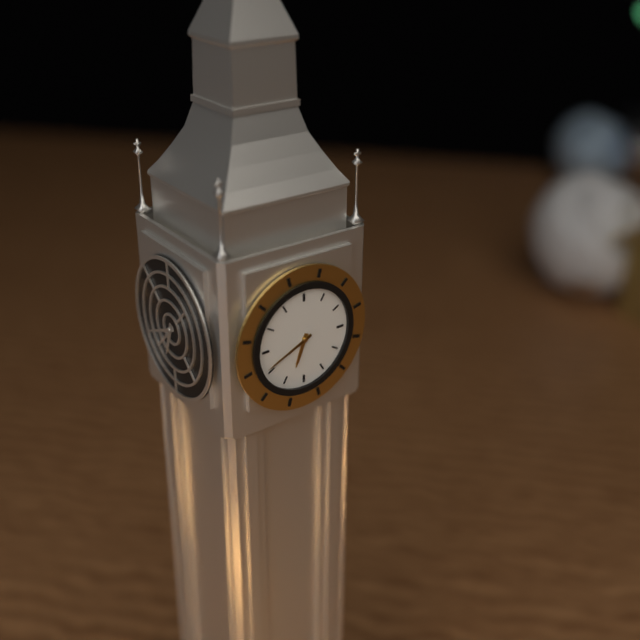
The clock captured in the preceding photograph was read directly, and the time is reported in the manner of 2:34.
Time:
6:41
